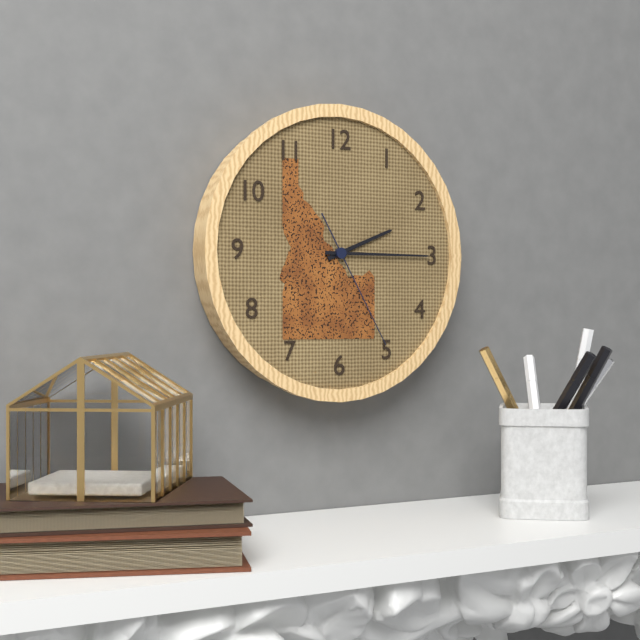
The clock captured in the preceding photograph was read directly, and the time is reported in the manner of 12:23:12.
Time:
2:15:25
